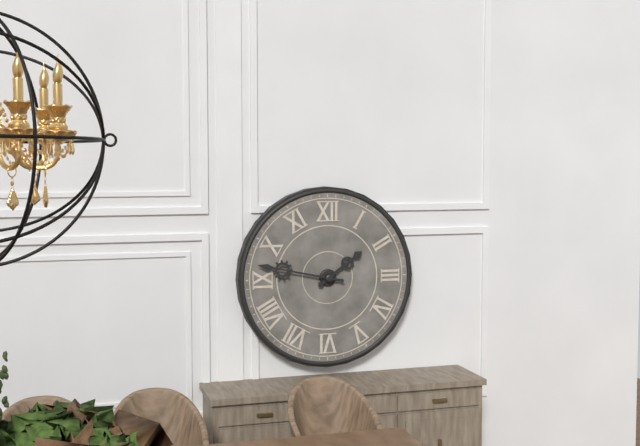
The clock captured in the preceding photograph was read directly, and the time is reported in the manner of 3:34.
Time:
1:47
